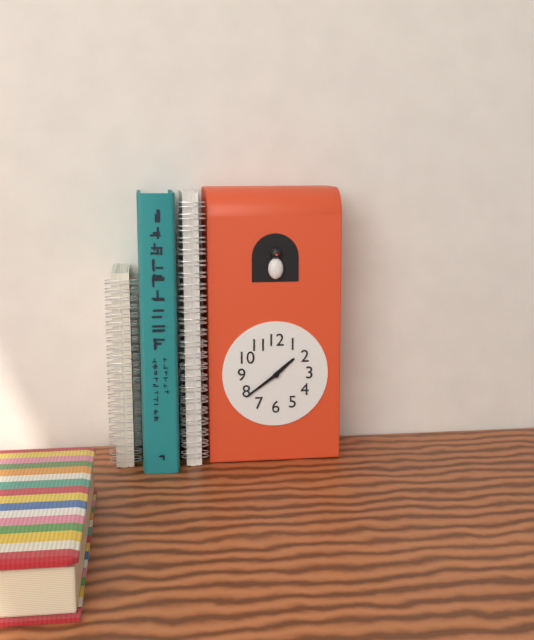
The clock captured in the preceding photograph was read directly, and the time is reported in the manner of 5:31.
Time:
1:39
